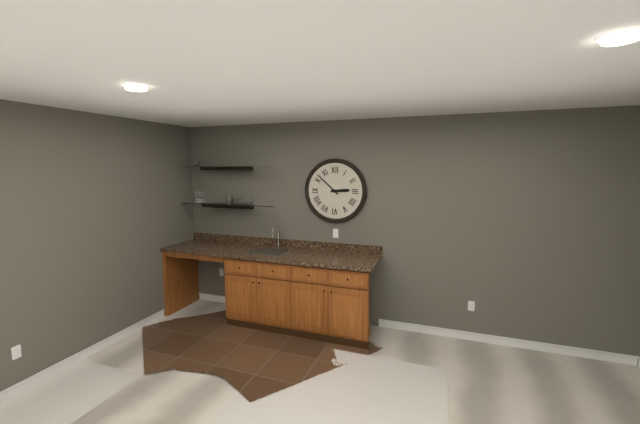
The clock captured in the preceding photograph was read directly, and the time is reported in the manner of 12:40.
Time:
2:52
